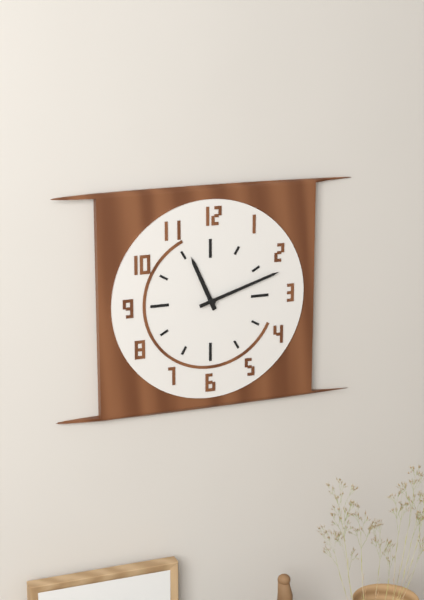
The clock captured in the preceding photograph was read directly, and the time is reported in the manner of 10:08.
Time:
11:12
